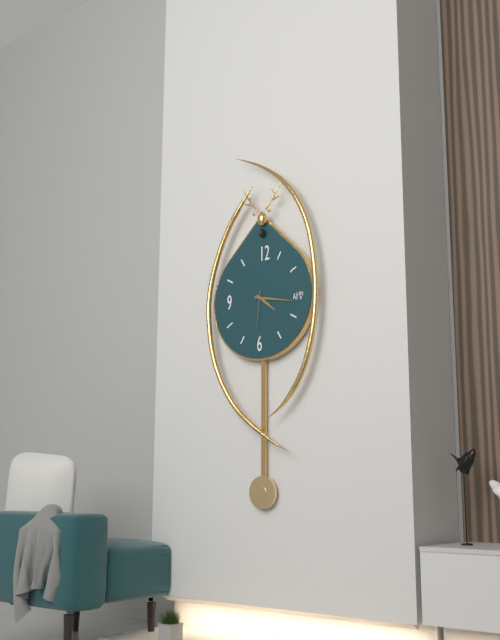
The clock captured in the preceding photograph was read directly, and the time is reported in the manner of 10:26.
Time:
4:17
